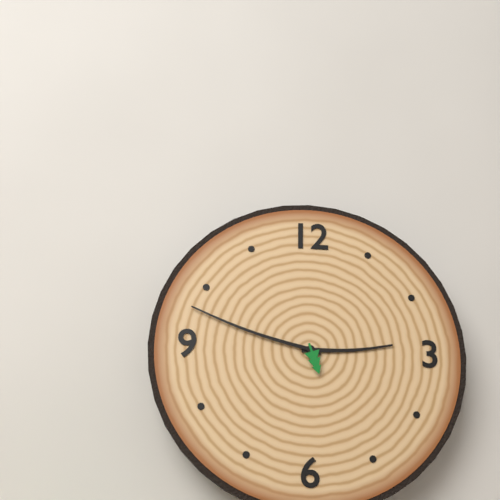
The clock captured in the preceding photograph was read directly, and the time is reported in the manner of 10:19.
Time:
2:48
